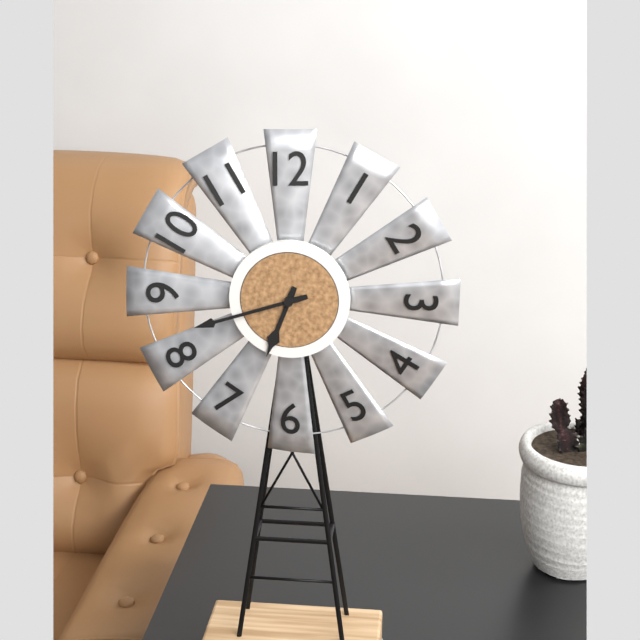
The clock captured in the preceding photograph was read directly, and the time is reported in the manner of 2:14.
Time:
6:42
